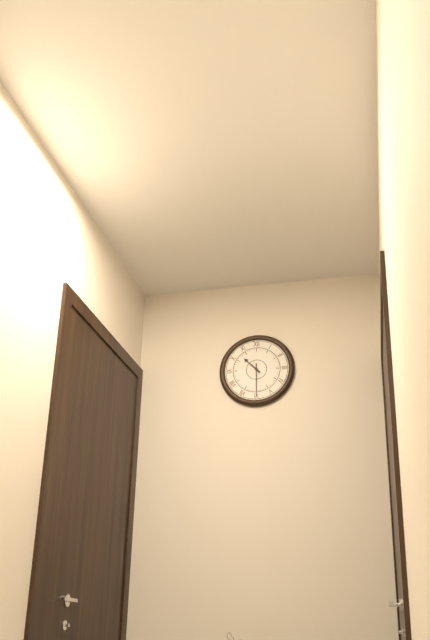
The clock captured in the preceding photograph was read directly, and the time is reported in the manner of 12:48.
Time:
10:30
